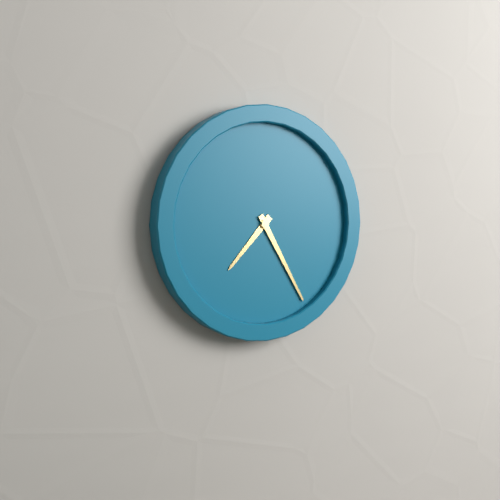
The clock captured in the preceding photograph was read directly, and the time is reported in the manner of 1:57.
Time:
7:25
